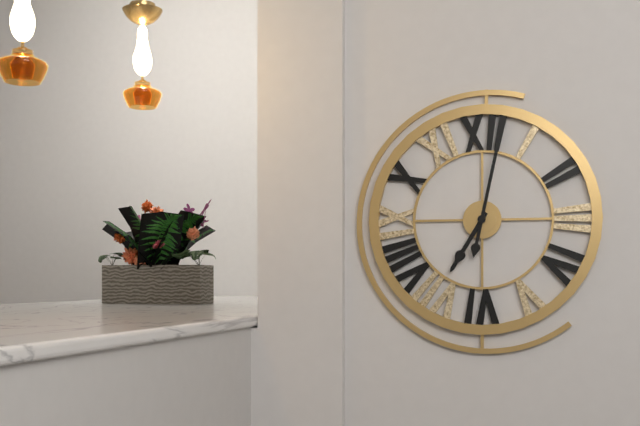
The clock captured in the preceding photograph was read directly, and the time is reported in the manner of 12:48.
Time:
7:02
